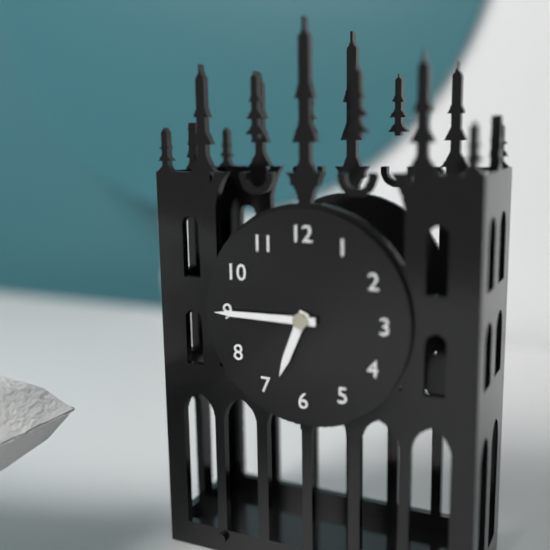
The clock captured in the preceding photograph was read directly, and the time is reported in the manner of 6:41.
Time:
6:45
